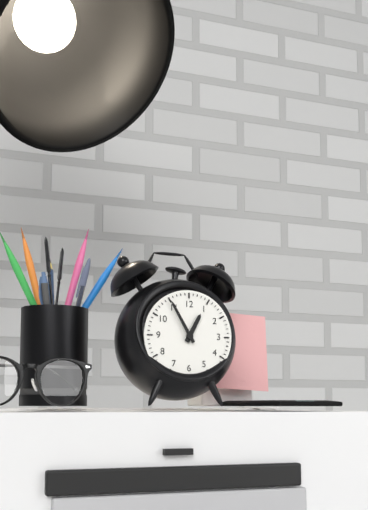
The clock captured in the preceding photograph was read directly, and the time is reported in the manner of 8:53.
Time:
12:55
